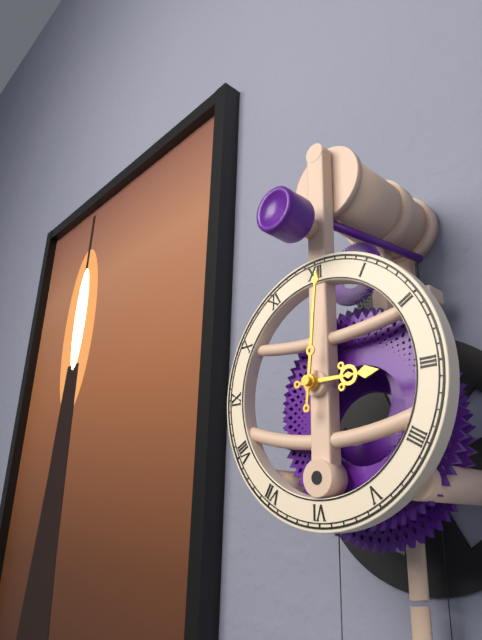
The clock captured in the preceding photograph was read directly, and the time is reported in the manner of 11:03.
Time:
3:01
